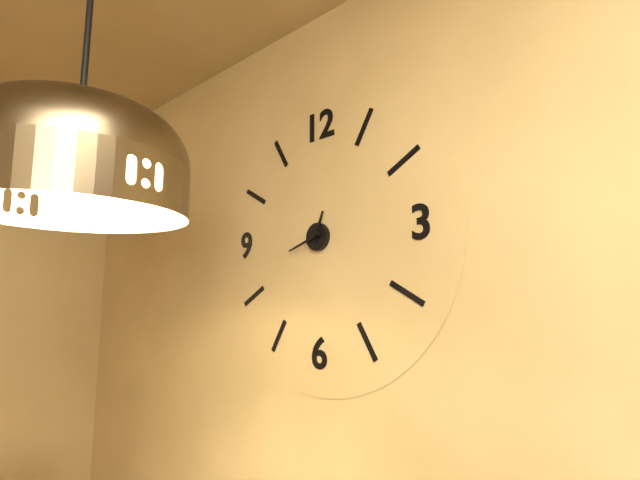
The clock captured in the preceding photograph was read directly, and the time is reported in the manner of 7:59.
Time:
12:42
